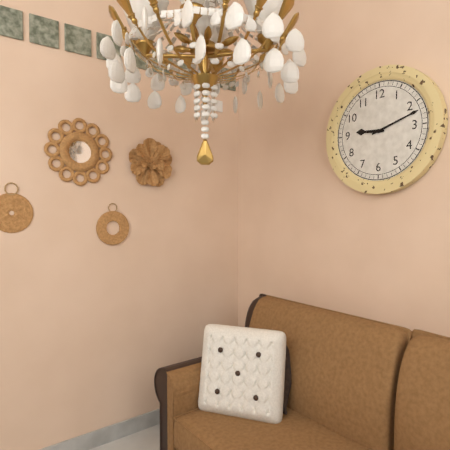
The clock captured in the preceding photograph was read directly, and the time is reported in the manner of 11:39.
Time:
9:12
